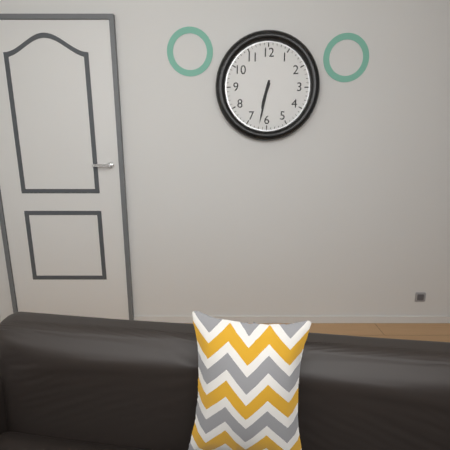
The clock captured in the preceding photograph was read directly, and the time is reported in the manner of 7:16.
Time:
6:32
